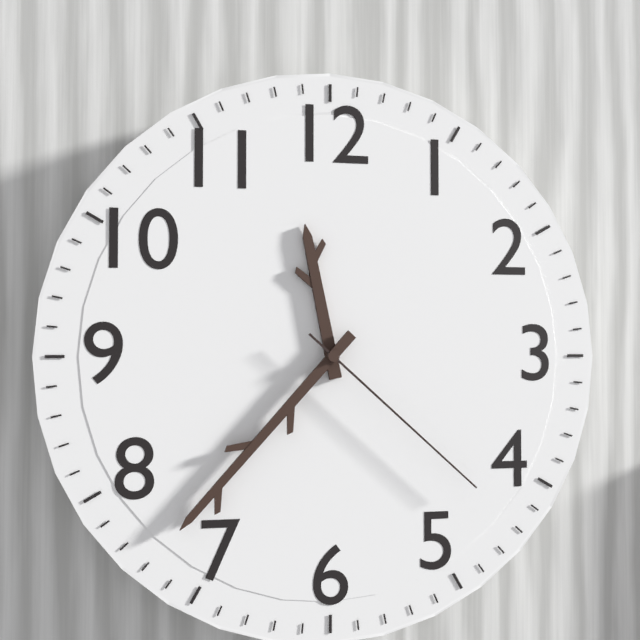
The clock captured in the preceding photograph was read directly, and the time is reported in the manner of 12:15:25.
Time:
11:37:22
